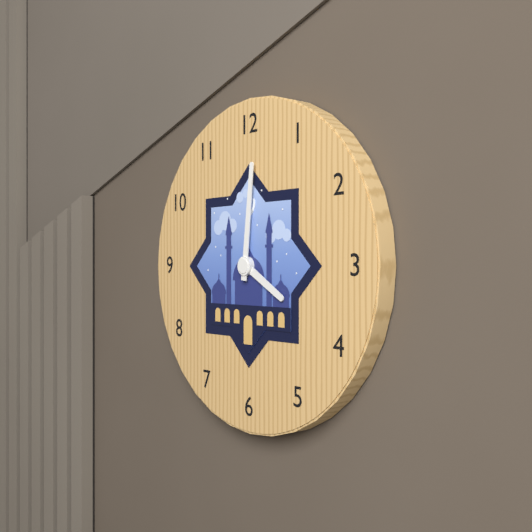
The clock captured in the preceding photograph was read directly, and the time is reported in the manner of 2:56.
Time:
4:01
